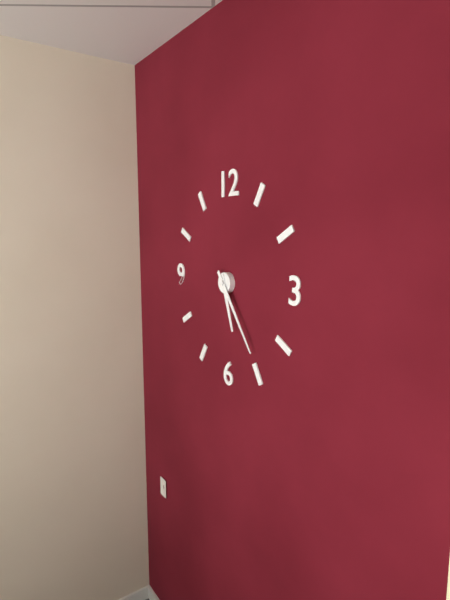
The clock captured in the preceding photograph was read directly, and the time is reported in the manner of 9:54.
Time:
5:24
